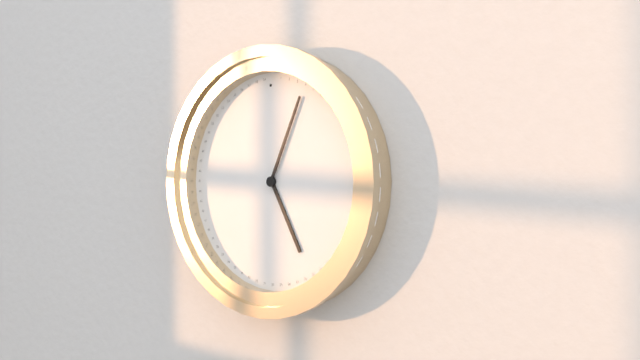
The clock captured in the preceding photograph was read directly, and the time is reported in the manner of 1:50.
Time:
5:04
